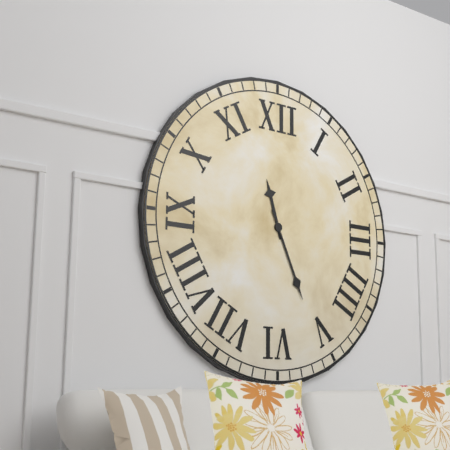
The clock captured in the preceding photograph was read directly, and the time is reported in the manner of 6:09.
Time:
11:26
